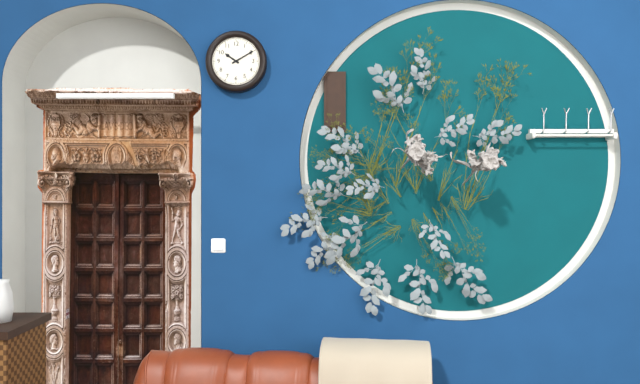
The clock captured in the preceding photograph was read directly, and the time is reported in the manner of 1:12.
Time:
10:10
